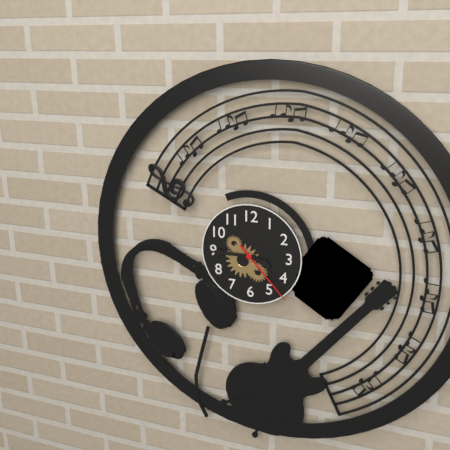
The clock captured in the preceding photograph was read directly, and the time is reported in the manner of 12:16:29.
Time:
3:45:23
